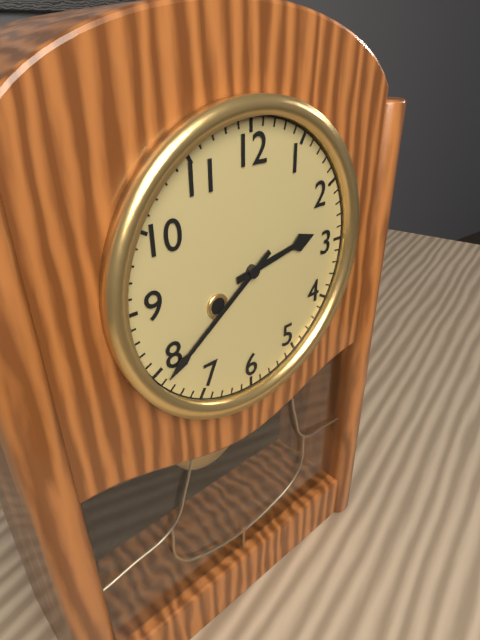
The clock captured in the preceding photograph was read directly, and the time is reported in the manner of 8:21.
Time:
2:39
